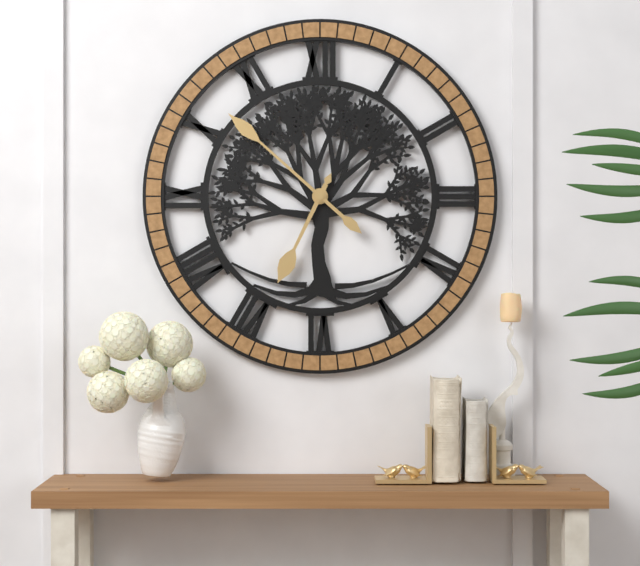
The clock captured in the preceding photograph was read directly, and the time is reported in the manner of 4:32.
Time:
6:52
